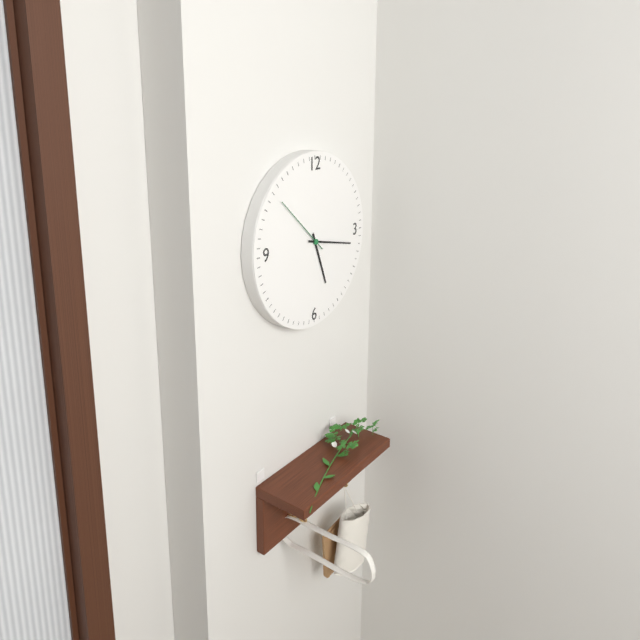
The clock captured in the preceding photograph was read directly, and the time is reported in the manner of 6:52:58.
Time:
5:17:52
